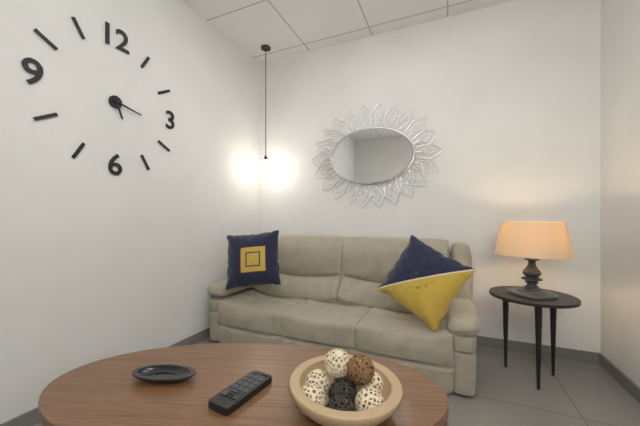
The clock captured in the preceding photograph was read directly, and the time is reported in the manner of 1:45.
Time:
5:17
